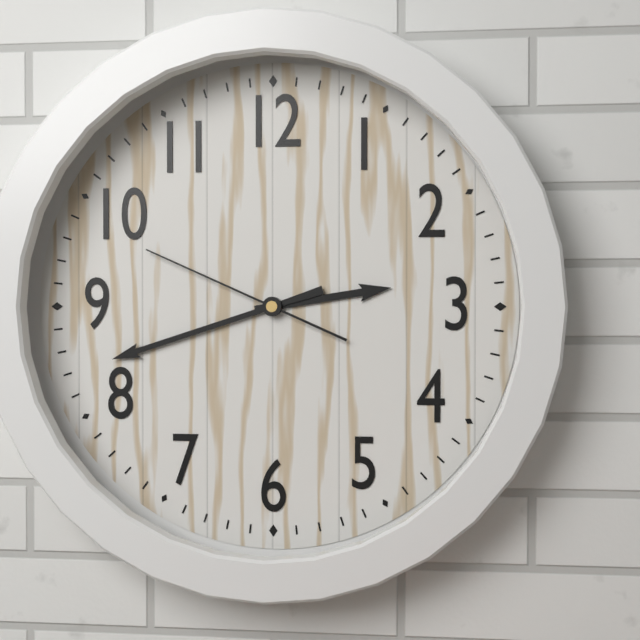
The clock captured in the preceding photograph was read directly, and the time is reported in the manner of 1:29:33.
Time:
2:42:49
